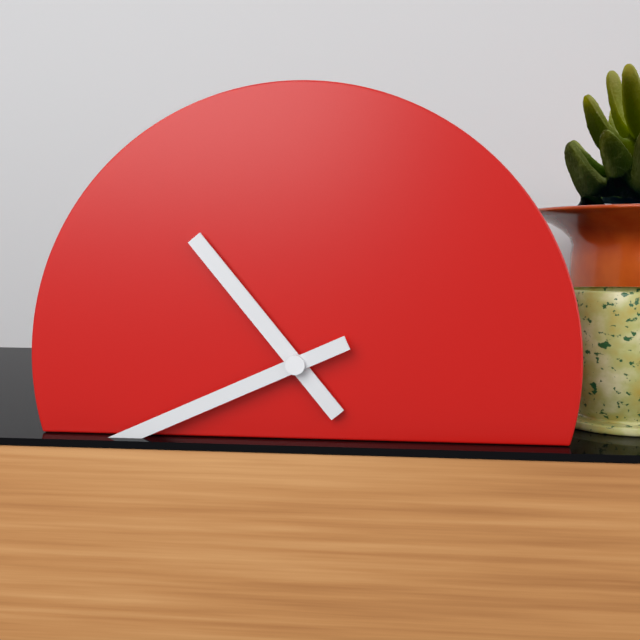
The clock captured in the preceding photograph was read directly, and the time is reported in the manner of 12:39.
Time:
10:41
